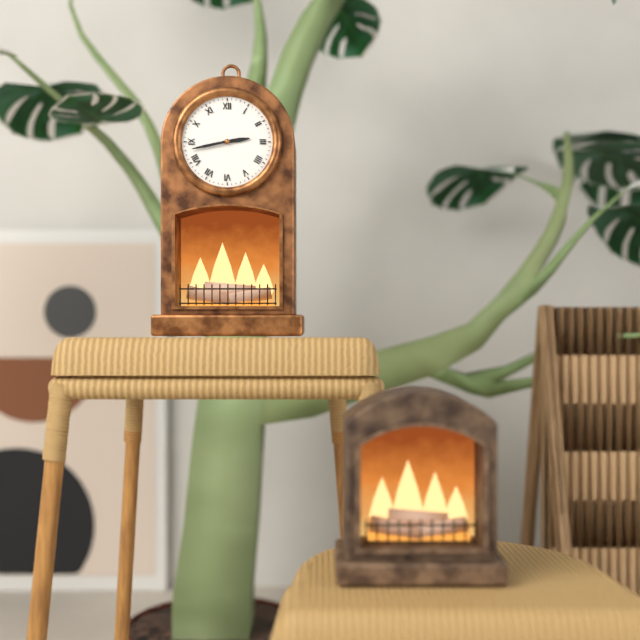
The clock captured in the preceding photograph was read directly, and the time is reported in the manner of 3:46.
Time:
2:43
